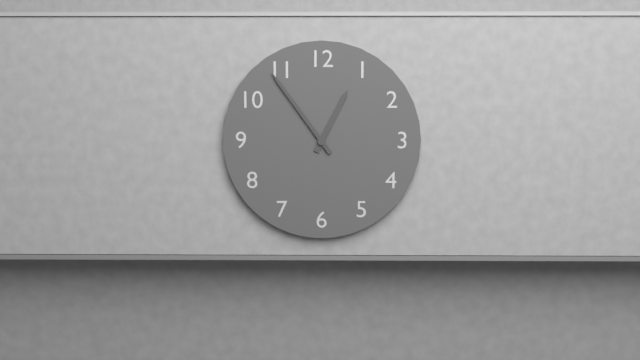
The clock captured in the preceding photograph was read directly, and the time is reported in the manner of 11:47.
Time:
12:54
